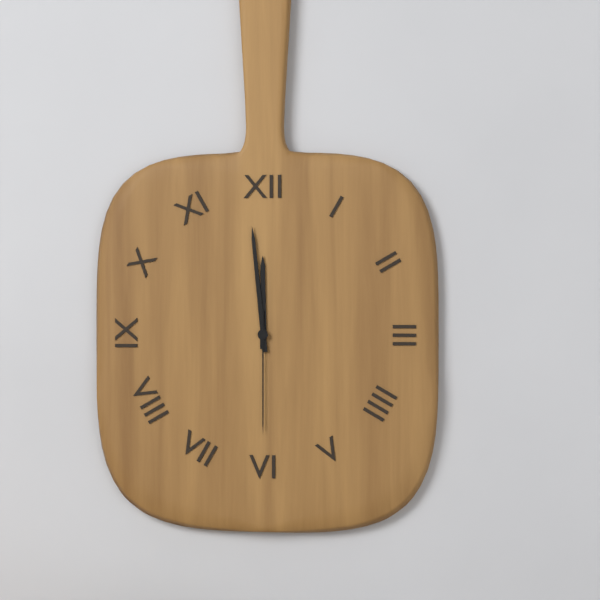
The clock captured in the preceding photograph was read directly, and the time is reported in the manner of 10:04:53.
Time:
11:59:30
